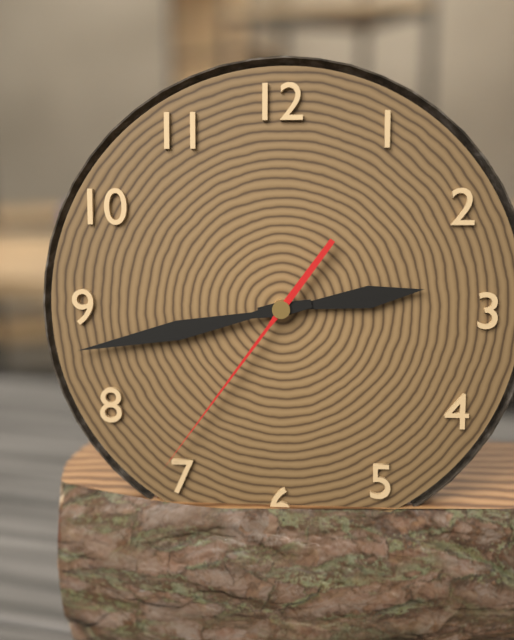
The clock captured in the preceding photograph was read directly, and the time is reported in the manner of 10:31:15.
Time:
2:43:36
